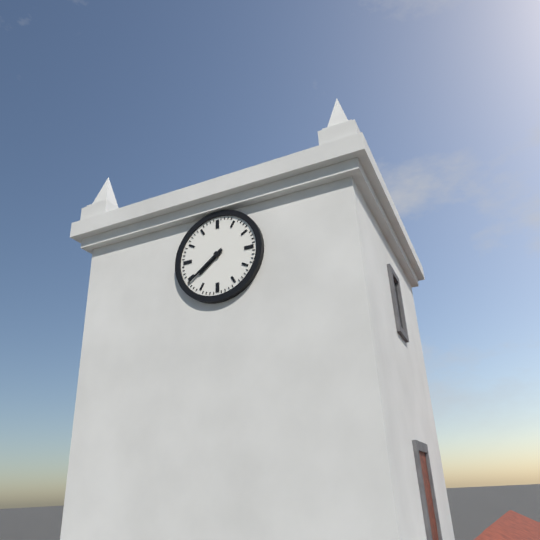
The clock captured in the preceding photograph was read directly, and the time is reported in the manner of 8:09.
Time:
7:39
